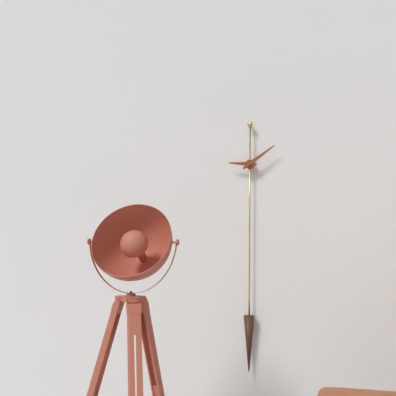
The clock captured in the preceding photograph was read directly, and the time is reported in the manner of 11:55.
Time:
9:09
